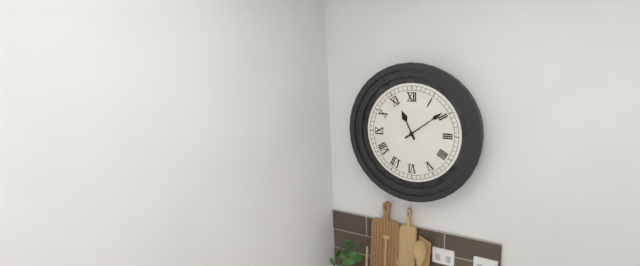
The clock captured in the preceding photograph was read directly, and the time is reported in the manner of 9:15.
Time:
11:09
